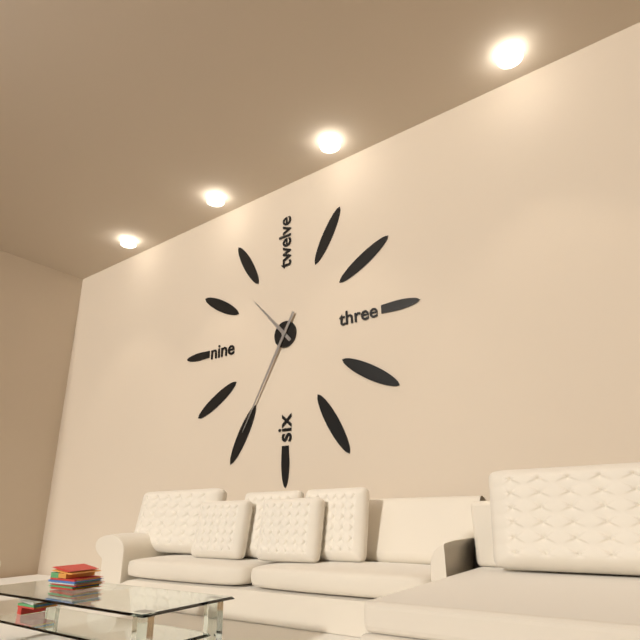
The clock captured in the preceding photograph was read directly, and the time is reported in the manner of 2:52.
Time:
10:35
